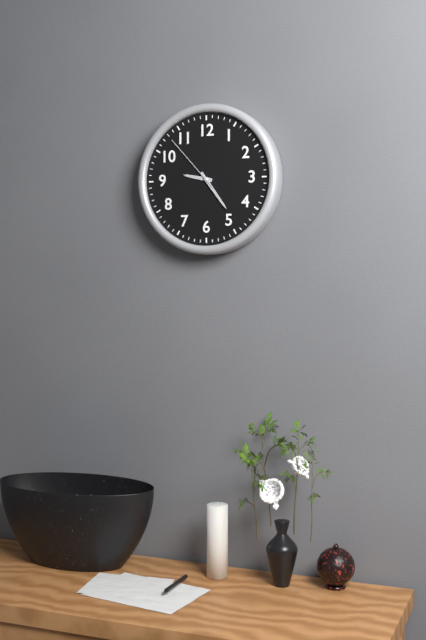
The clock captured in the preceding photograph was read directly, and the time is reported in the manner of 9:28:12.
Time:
9:24:53
